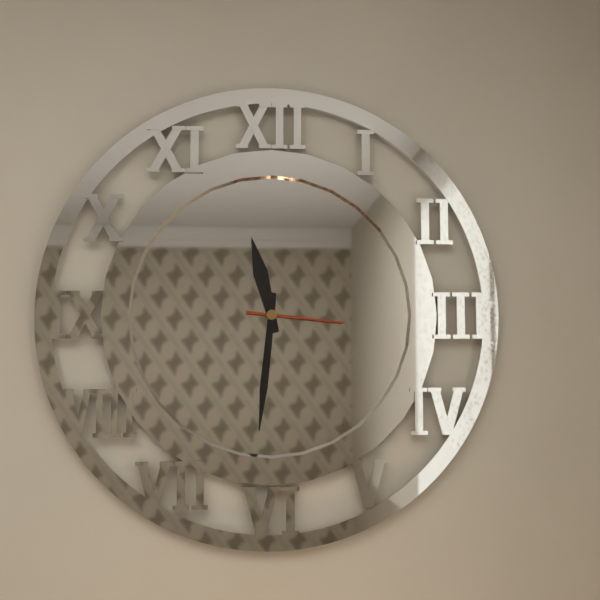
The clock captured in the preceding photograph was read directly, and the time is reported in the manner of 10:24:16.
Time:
11:31:16
